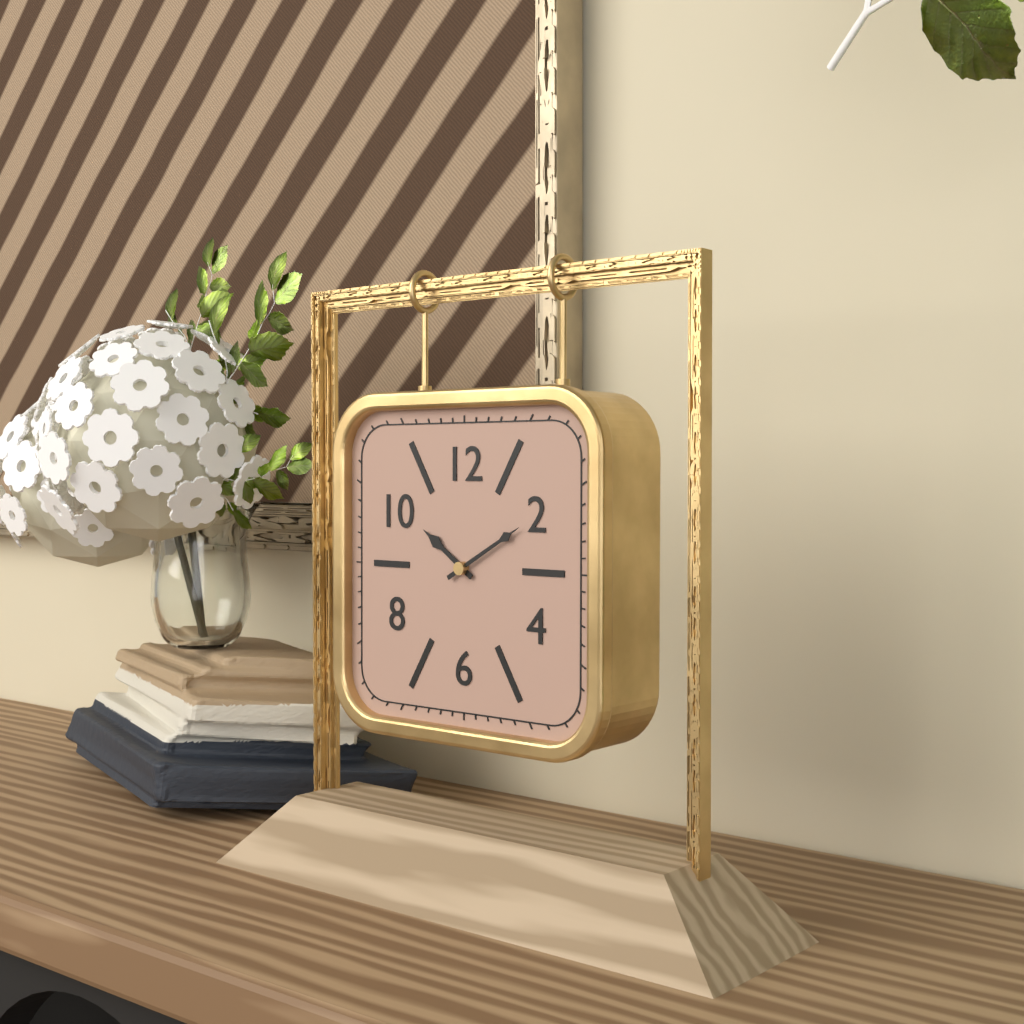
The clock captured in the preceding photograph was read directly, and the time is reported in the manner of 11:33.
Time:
10:10
